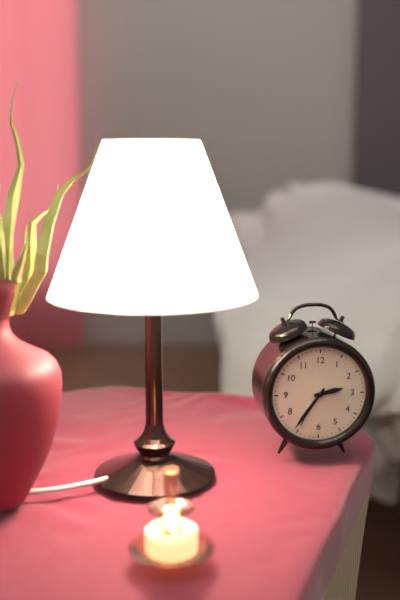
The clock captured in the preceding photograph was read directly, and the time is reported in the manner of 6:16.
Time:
2:36
